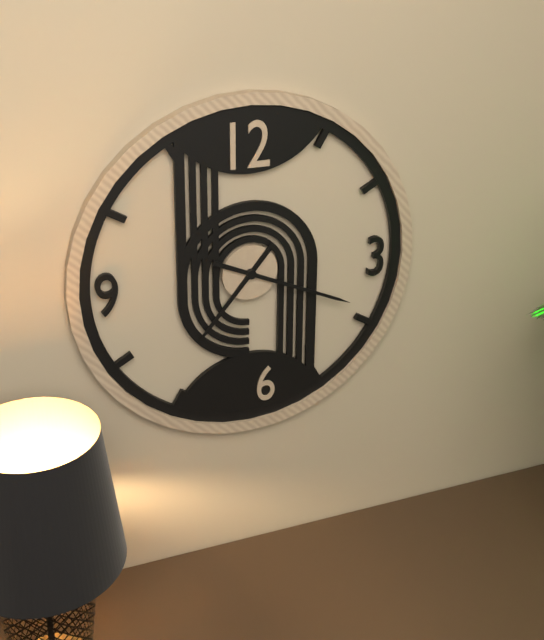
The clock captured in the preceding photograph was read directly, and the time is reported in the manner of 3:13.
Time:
7:19
